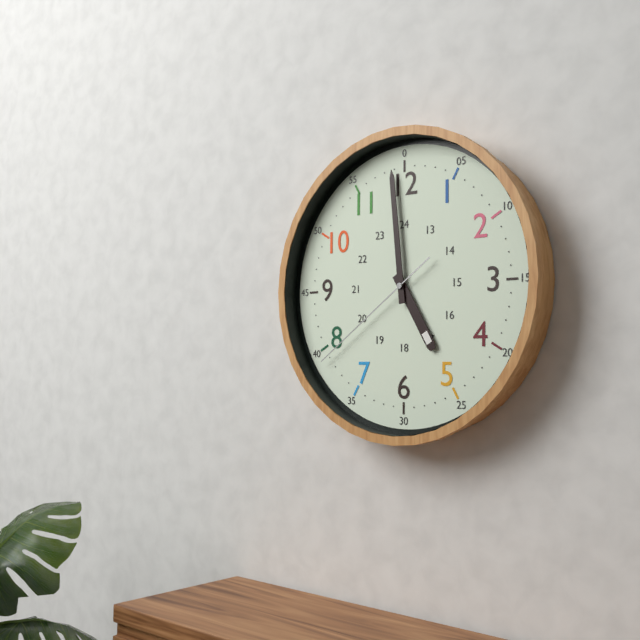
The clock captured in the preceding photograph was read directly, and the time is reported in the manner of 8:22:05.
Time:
4:59:39
